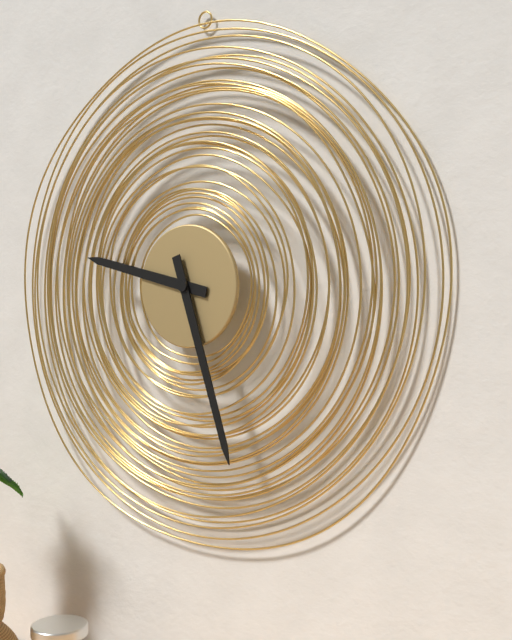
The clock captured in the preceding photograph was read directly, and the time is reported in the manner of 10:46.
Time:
9:27
